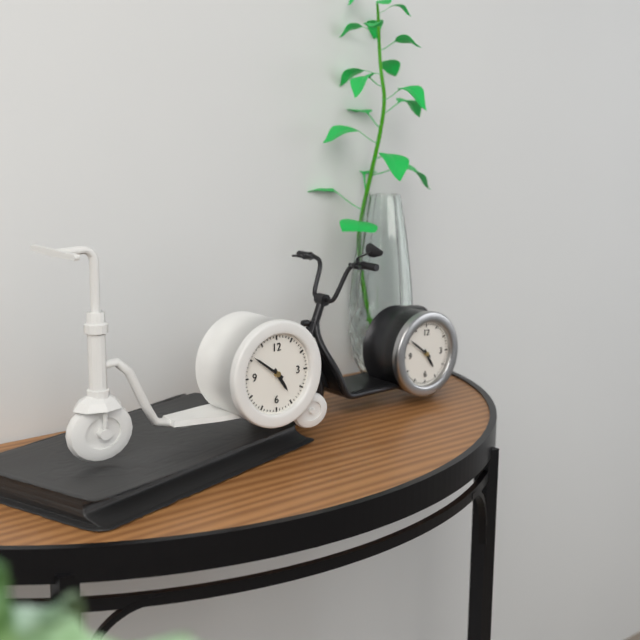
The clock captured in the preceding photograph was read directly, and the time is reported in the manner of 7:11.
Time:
4:51
